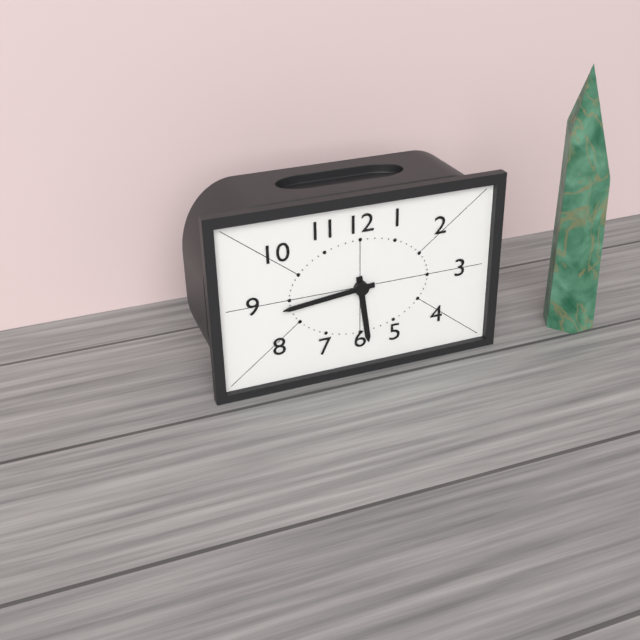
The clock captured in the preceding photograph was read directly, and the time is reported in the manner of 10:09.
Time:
5:44
